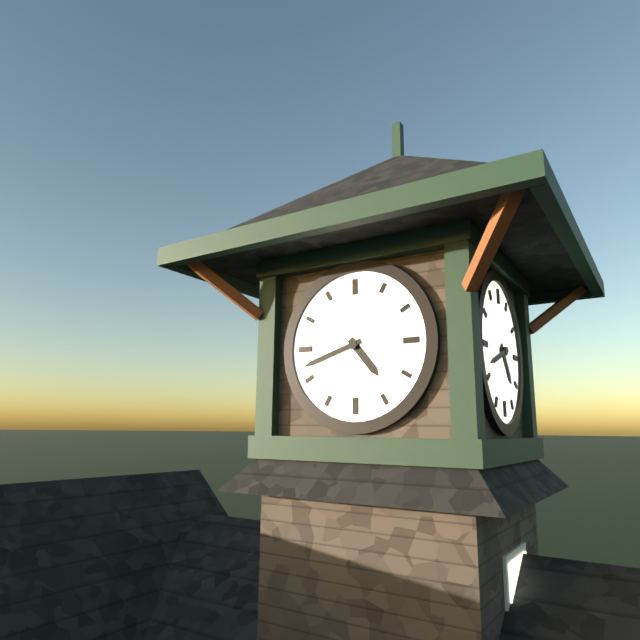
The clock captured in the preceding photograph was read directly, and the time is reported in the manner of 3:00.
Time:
4:42
